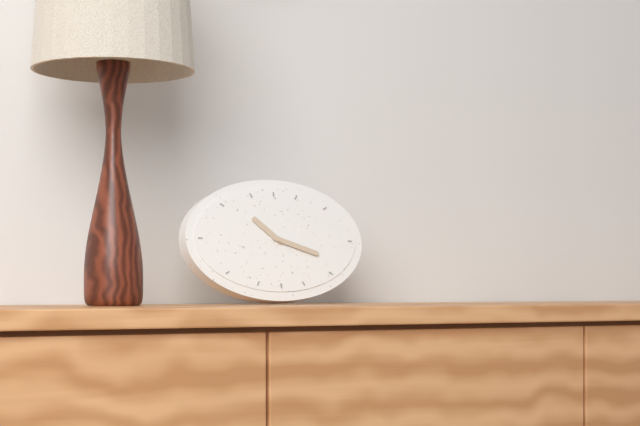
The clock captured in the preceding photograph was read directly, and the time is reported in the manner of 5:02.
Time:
10:18
